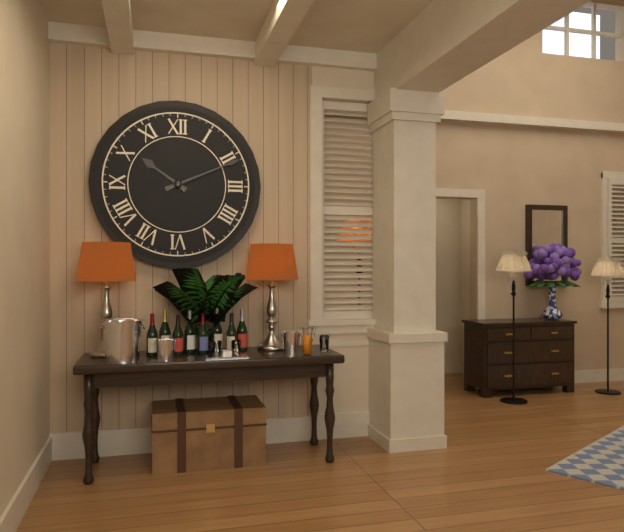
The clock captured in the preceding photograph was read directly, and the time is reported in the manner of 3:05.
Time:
10:11
